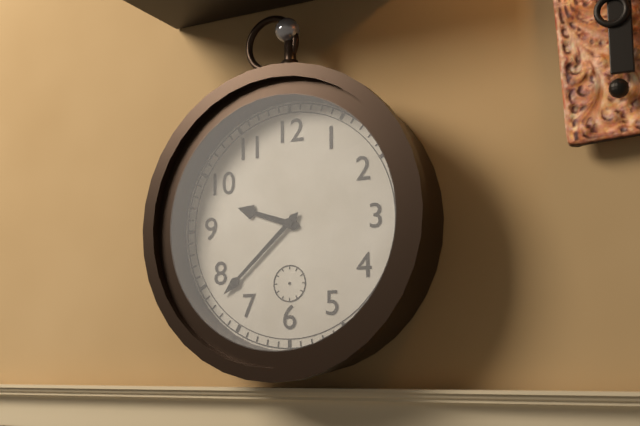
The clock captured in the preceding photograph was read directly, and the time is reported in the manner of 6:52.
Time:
9:38
